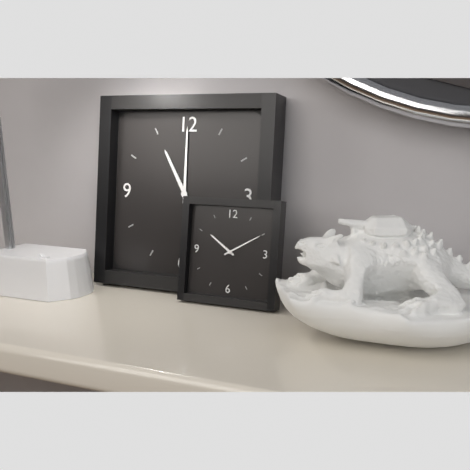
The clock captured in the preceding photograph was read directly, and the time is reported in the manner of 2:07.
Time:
11:00
